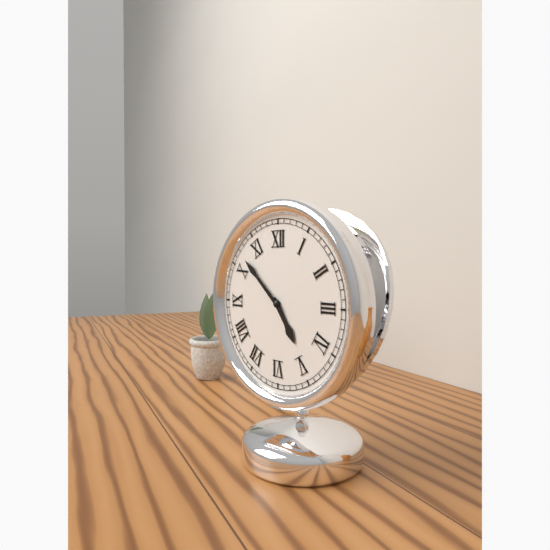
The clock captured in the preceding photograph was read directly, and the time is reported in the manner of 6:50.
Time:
4:52
